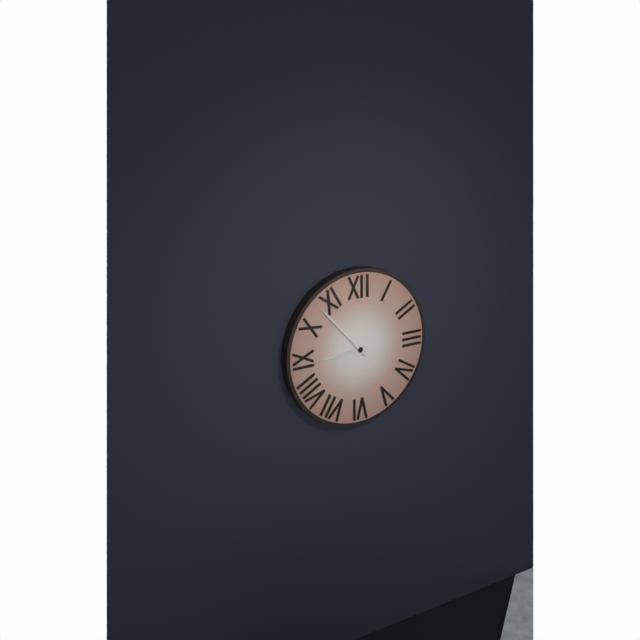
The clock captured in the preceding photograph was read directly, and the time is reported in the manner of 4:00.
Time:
8:53
